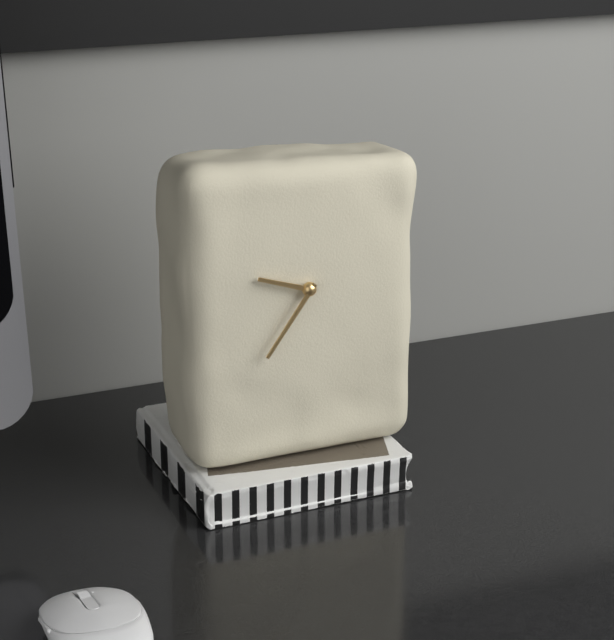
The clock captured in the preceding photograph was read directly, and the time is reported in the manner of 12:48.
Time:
9:36
